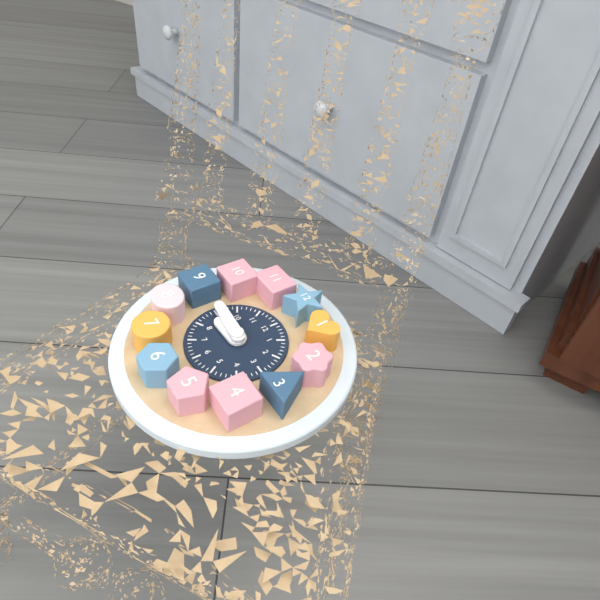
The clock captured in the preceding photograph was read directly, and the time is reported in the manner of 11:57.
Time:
8:46
